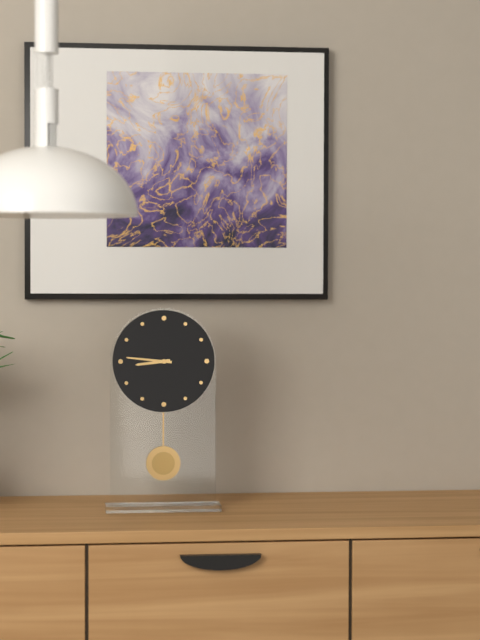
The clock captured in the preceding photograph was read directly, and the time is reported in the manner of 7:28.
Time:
8:46
